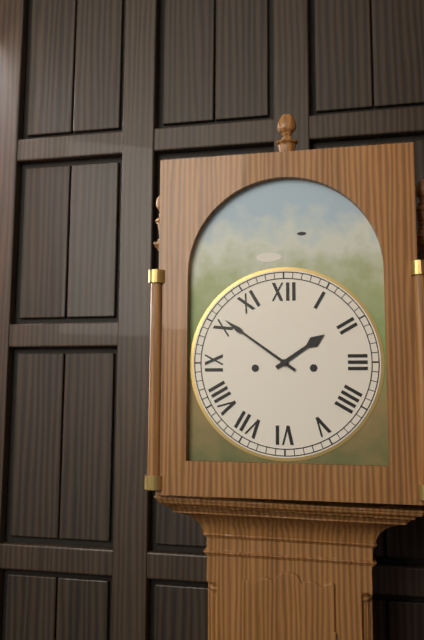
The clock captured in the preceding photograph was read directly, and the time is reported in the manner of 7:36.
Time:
1:51
